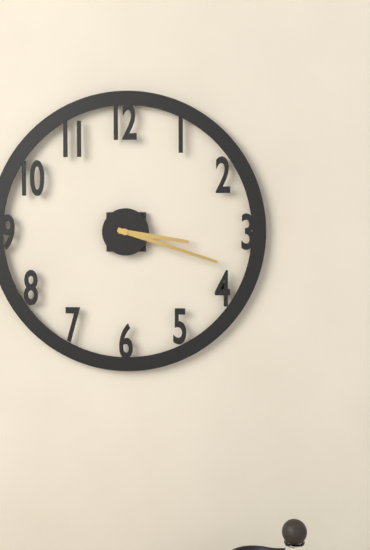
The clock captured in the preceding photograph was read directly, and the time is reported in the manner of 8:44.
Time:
3:18
